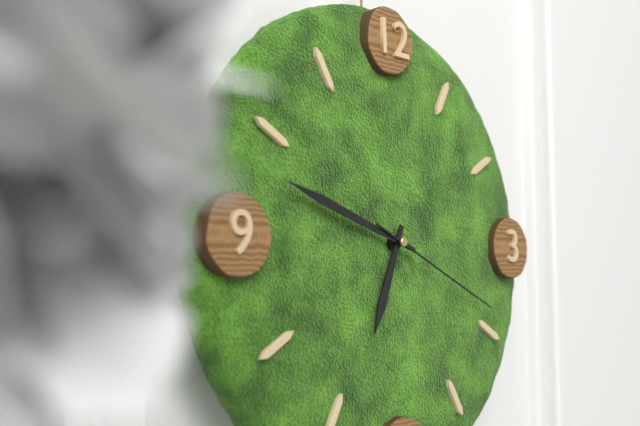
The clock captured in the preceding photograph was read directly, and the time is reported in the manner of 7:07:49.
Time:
6:48:19
